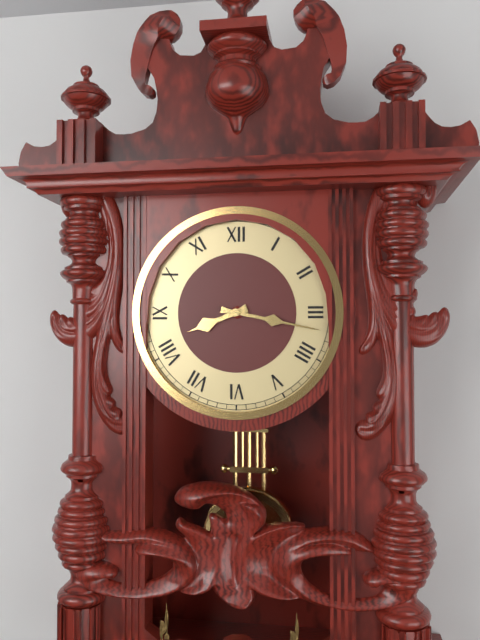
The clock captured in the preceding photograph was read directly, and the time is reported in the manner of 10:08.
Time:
8:17
